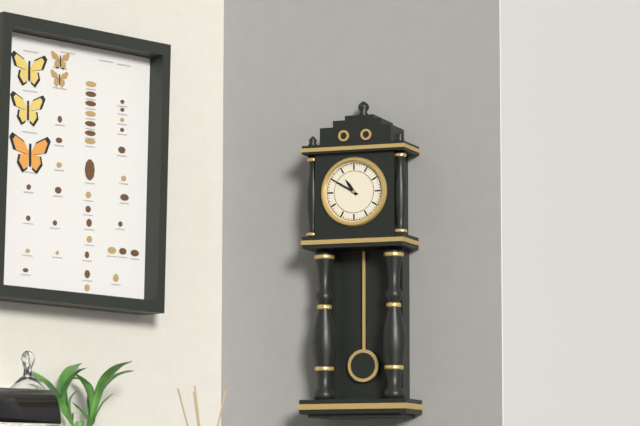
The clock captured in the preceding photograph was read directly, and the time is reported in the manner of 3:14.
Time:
10:50
